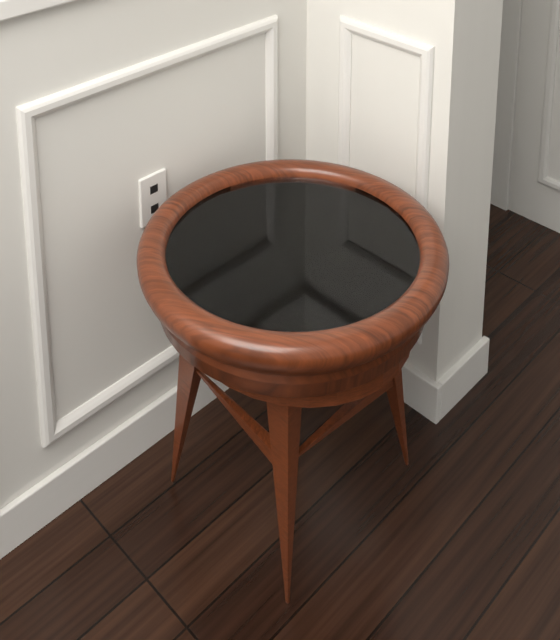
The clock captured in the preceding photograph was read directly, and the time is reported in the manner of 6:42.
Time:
1:54
